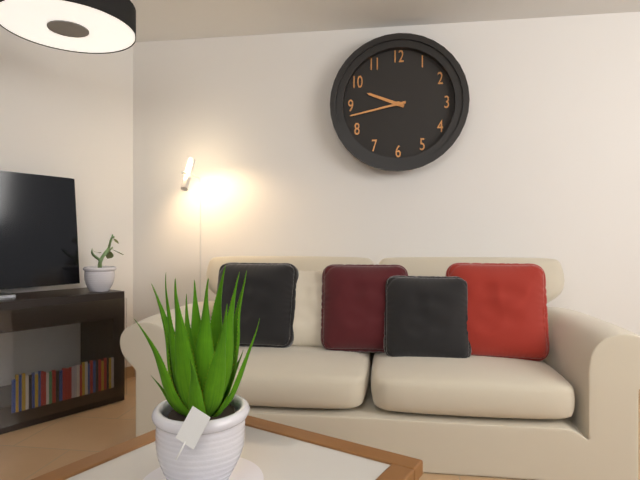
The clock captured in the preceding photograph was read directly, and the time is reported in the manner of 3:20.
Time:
9:43
